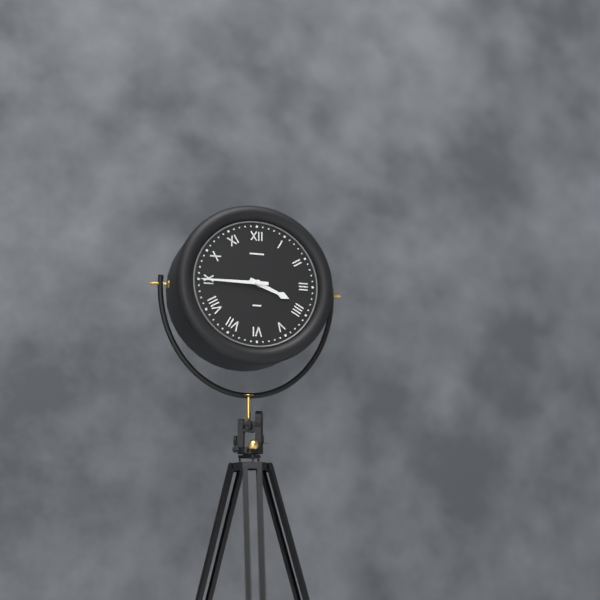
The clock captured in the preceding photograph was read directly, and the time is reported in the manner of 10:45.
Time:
3:45
